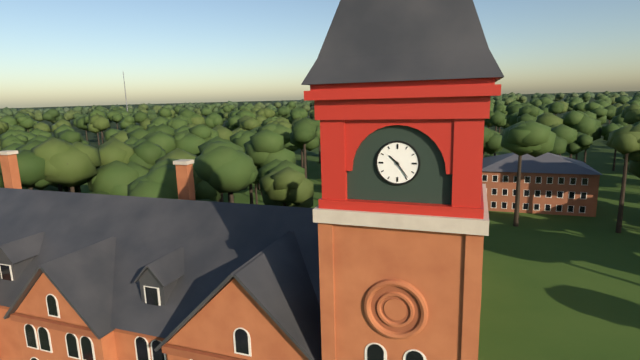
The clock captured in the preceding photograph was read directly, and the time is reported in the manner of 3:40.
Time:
10:24
